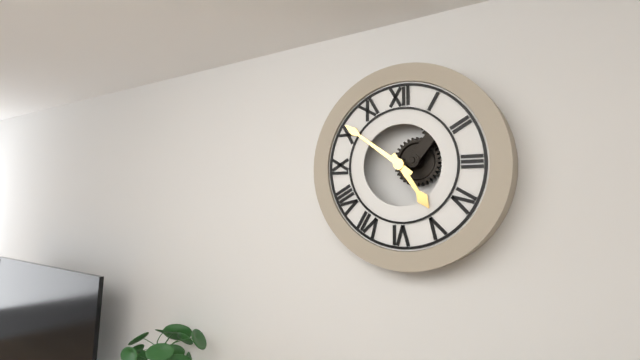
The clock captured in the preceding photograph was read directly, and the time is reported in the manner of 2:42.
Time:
4:51
